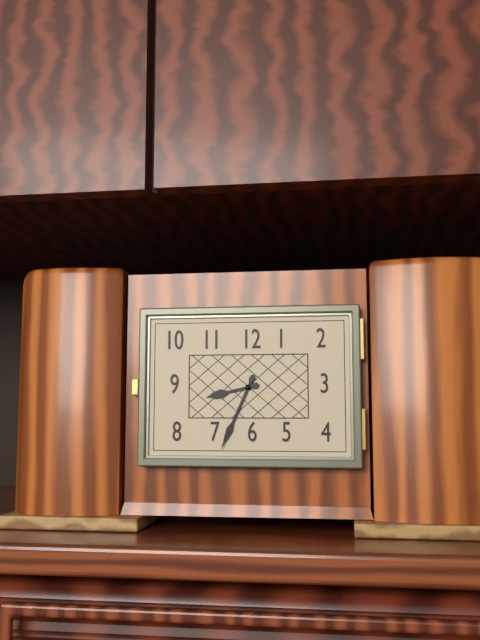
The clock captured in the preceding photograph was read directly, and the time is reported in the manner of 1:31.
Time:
8:34
